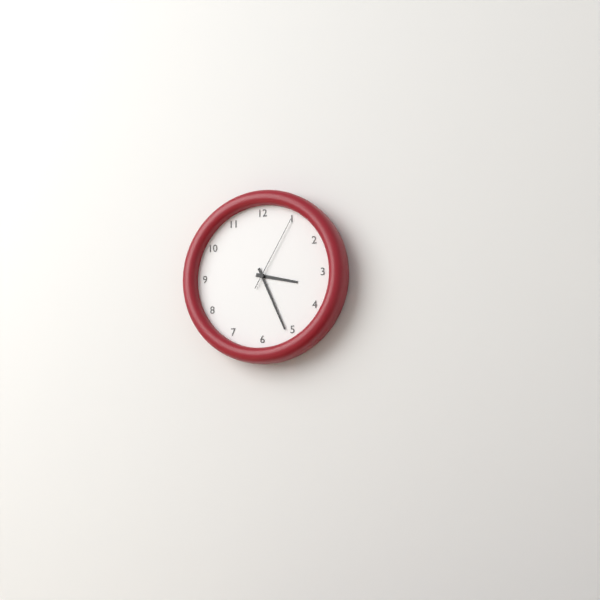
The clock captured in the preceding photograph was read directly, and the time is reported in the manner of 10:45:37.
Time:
3:26:05
